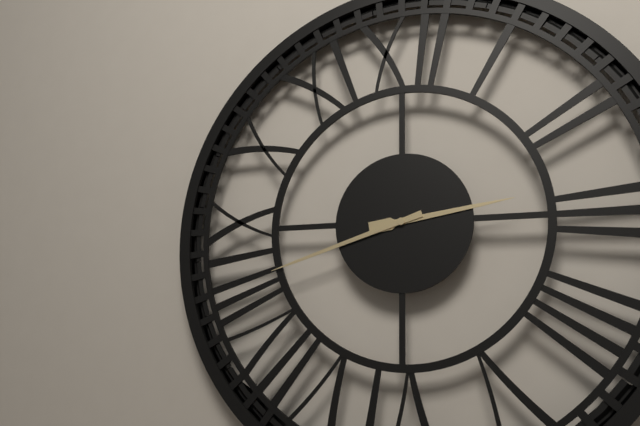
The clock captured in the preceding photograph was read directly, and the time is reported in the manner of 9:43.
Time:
2:42
